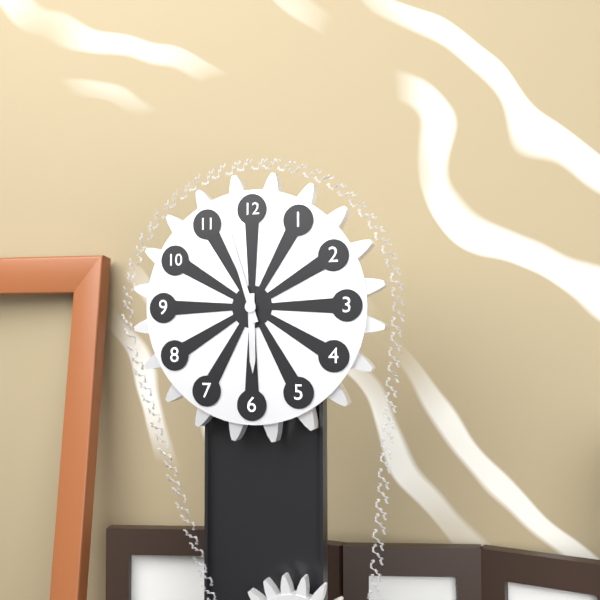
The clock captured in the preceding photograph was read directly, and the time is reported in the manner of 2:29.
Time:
5:57
